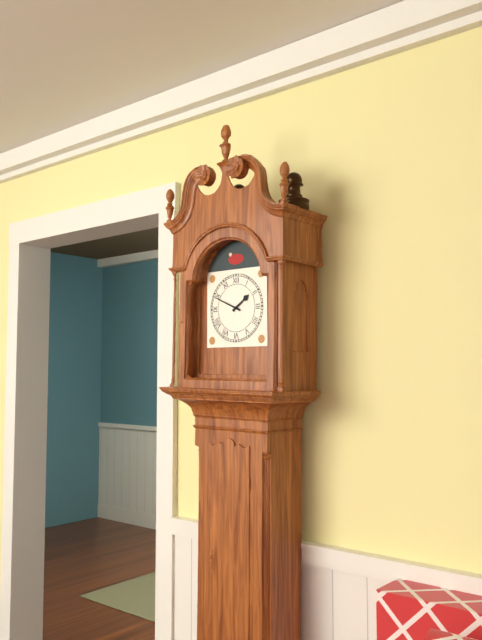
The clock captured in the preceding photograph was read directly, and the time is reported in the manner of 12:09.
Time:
1:49
